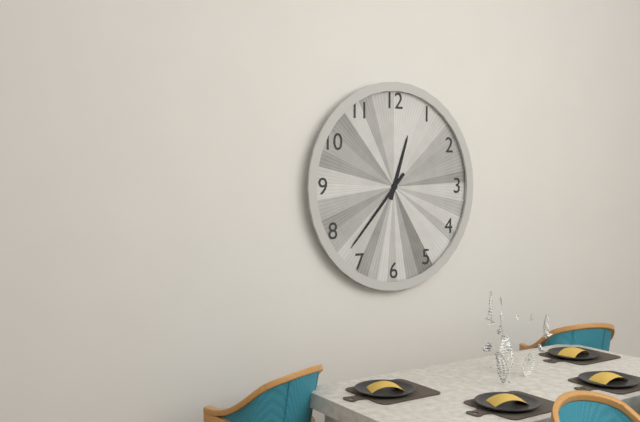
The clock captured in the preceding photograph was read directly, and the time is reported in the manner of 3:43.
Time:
12:37
